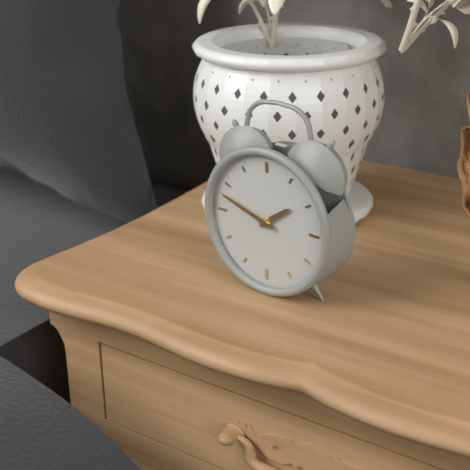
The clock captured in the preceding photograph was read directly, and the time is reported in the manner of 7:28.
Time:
1:48
